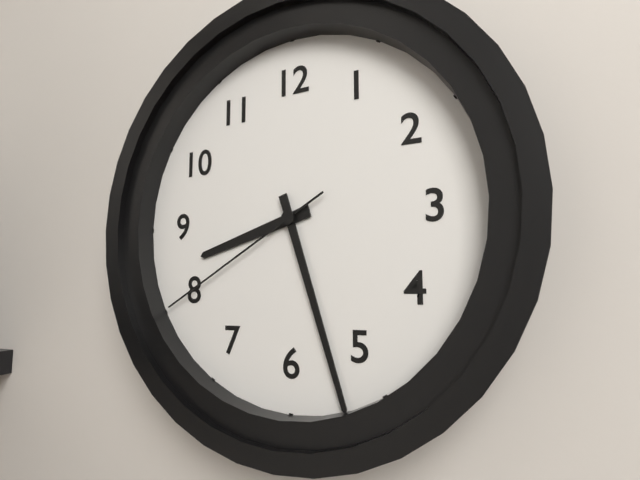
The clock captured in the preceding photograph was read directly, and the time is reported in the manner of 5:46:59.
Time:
8:27:40
